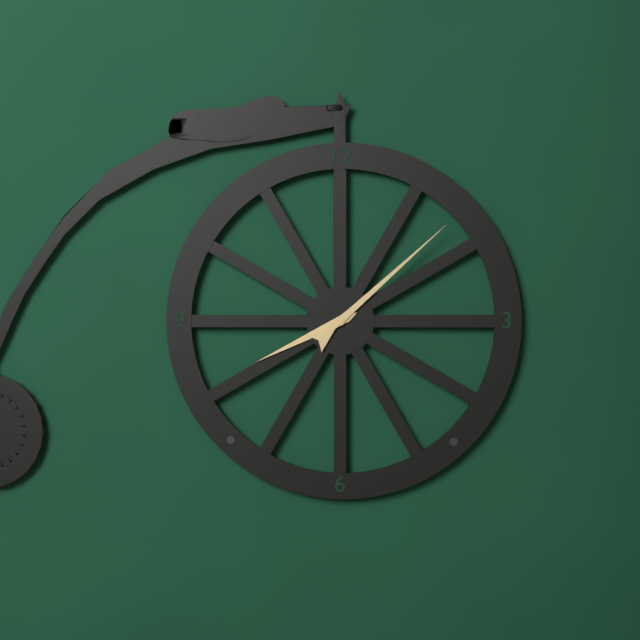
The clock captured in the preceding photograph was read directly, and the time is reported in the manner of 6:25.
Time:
8:08
